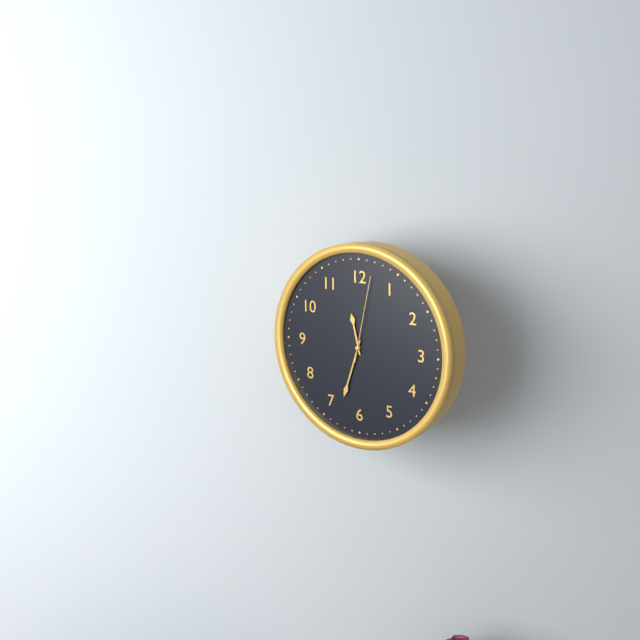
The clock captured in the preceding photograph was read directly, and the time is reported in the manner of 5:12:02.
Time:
11:33:02
